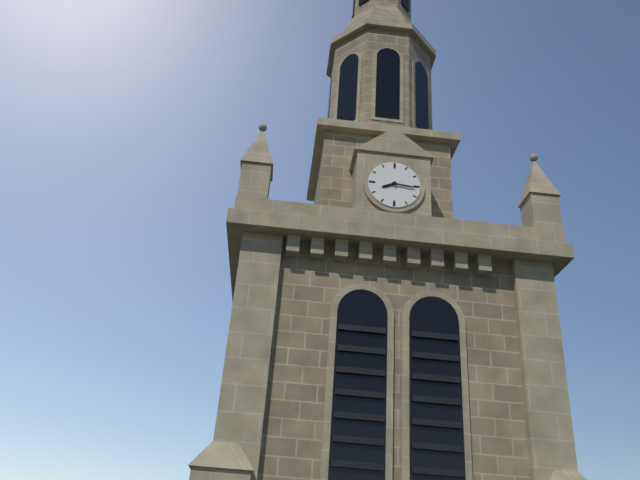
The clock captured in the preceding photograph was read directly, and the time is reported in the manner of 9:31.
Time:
8:16
